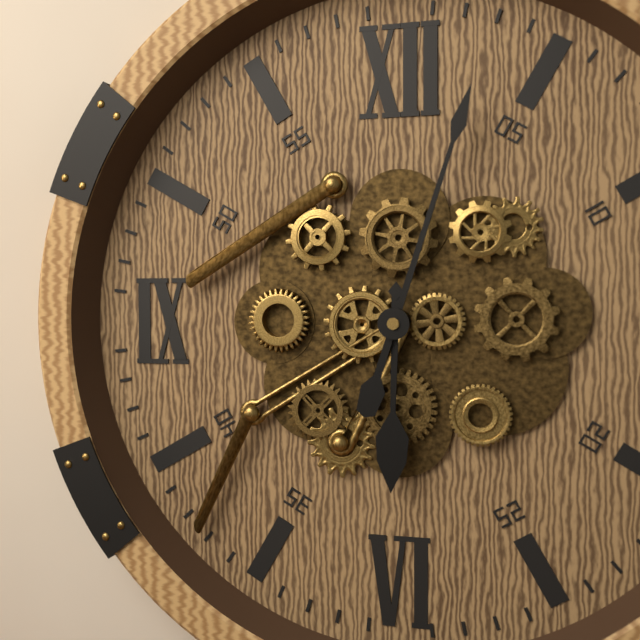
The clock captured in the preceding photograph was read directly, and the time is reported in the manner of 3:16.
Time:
6:03
